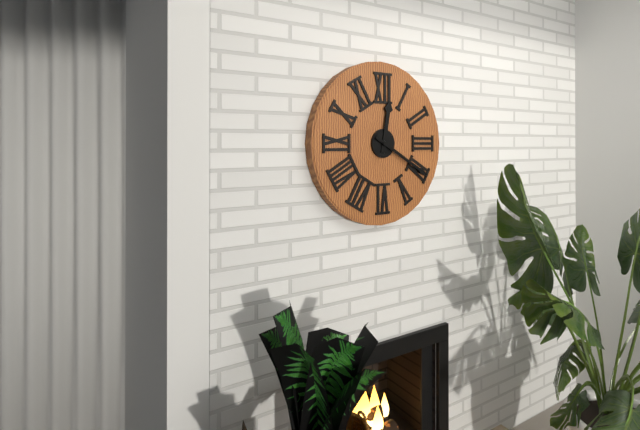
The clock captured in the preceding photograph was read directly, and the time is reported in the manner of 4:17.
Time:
12:20
